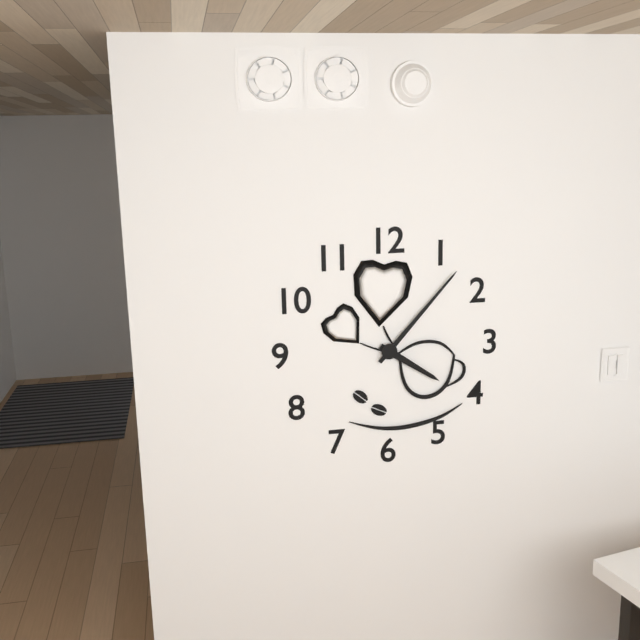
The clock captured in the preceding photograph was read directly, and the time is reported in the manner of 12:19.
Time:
4:07
